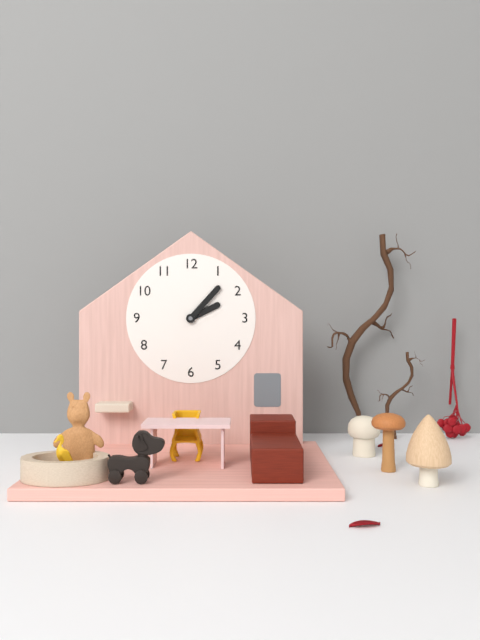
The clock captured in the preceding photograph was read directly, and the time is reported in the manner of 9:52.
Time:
2:07
